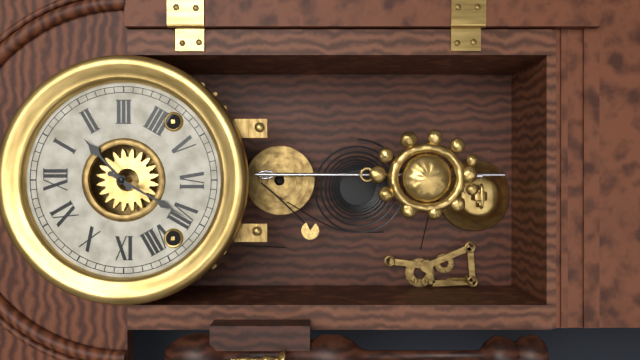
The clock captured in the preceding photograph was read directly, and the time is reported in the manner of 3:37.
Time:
1:35
